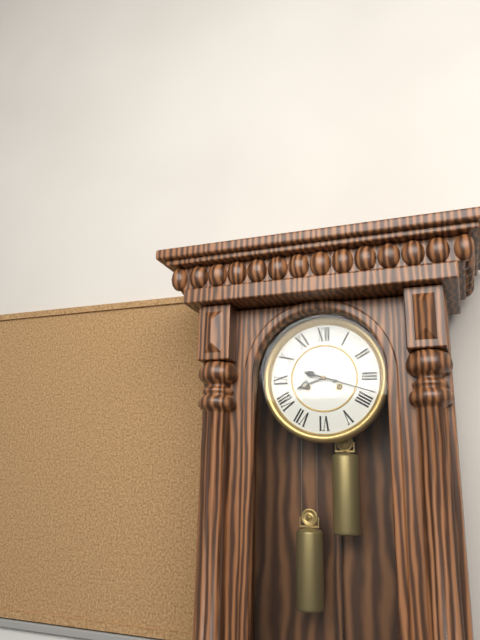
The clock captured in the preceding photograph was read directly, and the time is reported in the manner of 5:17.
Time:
8:18
